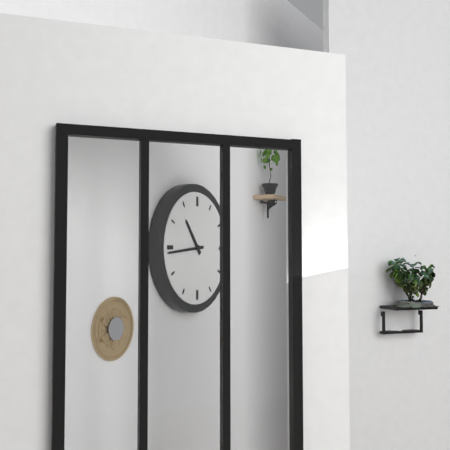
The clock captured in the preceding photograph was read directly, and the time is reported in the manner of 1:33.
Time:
10:44
